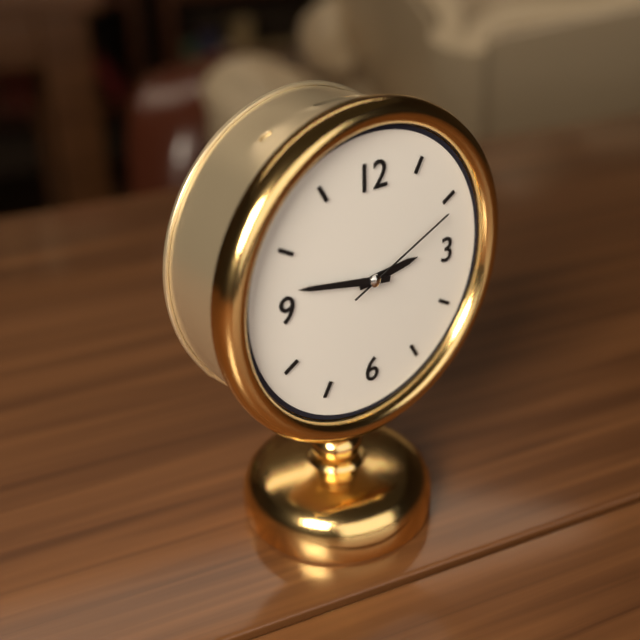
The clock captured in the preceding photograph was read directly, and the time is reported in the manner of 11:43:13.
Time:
2:47:11
